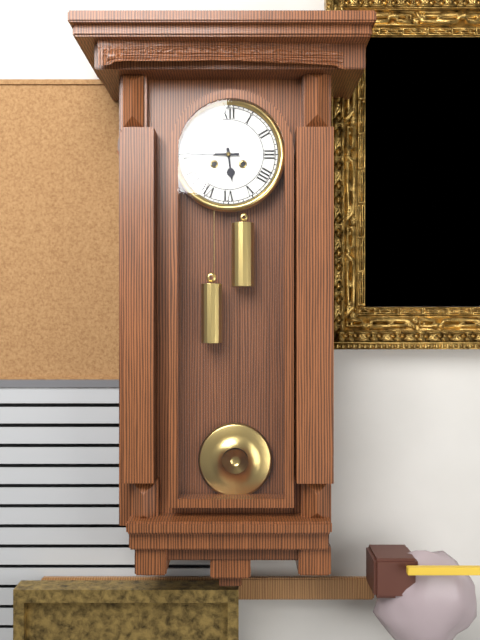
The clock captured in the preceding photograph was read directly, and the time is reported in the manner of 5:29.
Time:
5:45
